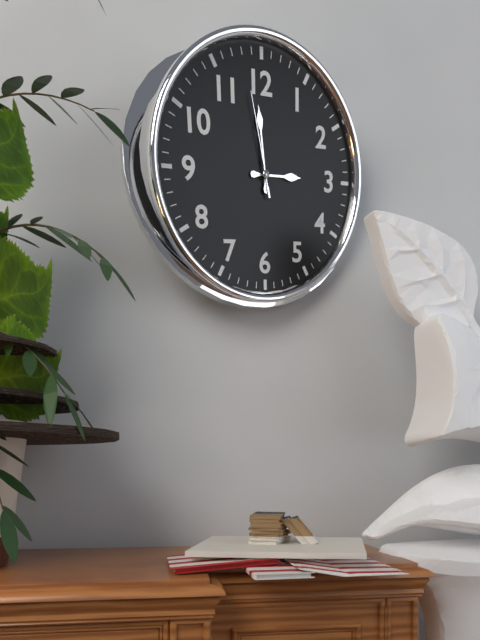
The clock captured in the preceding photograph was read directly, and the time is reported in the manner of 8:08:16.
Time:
2:59:58
